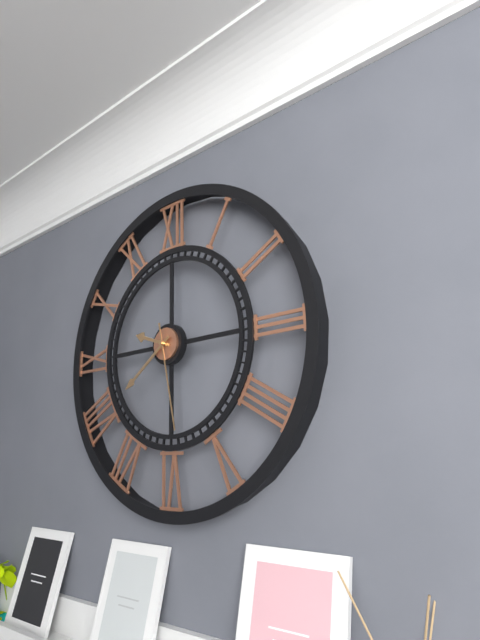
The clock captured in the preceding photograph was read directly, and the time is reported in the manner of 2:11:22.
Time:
9:39:28
